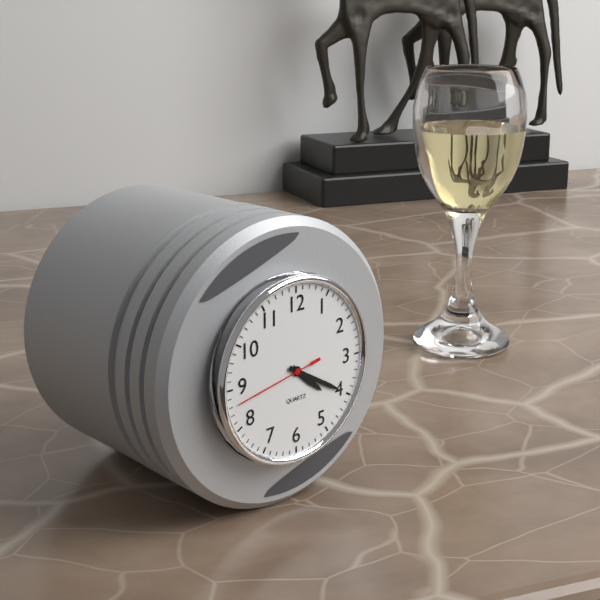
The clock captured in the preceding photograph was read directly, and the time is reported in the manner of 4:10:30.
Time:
4:20:43
